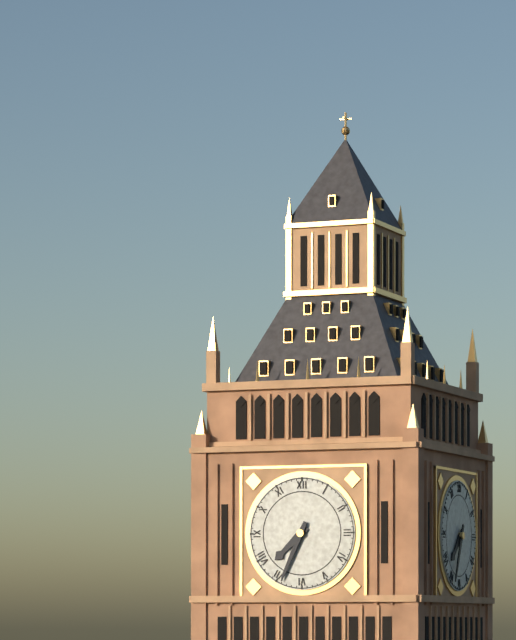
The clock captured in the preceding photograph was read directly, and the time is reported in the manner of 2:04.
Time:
7:34
